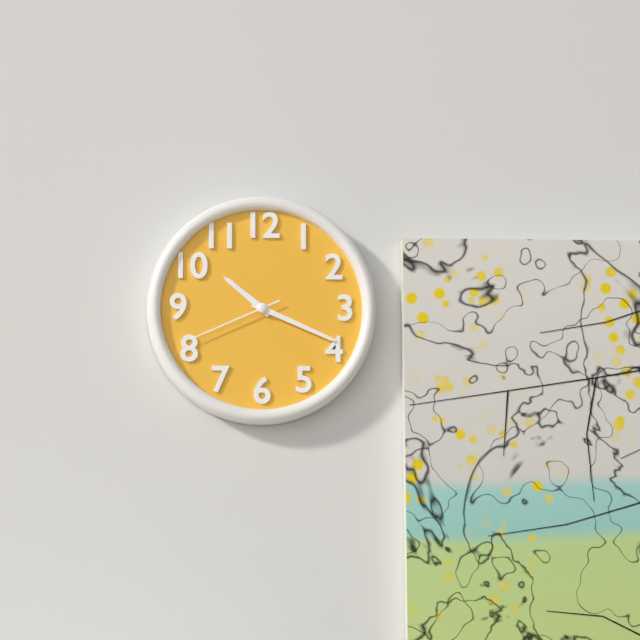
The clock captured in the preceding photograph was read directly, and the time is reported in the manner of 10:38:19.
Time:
10:19:41
